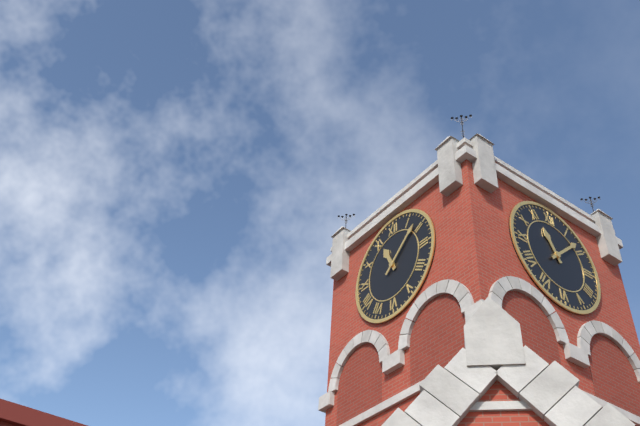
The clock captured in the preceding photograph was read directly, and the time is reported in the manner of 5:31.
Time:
11:08
